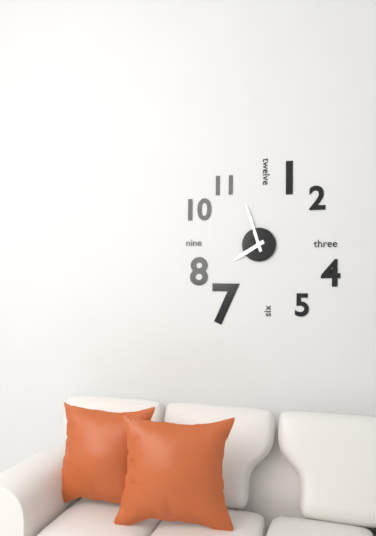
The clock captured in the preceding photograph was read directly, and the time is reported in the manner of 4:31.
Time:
7:57
